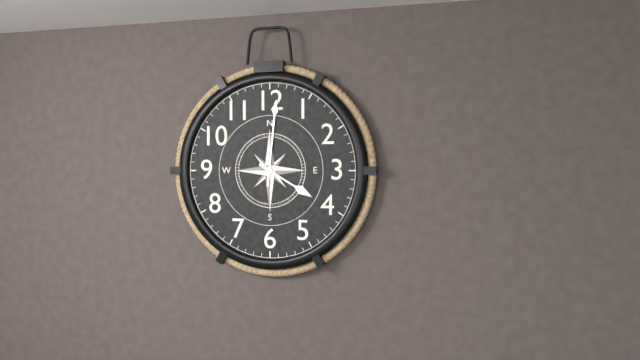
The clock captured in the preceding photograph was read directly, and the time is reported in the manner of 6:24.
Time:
4:01
